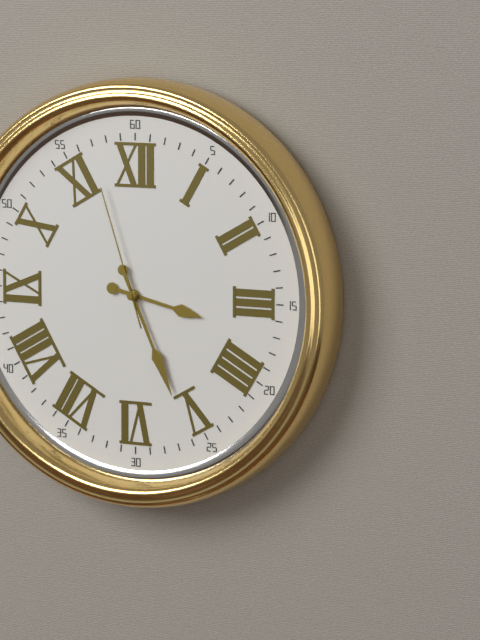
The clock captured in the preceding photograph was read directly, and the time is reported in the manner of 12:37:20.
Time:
3:26:57
